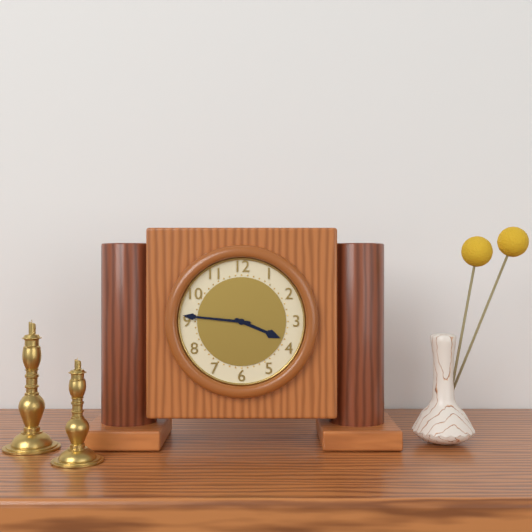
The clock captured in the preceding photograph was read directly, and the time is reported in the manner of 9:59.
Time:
3:46
